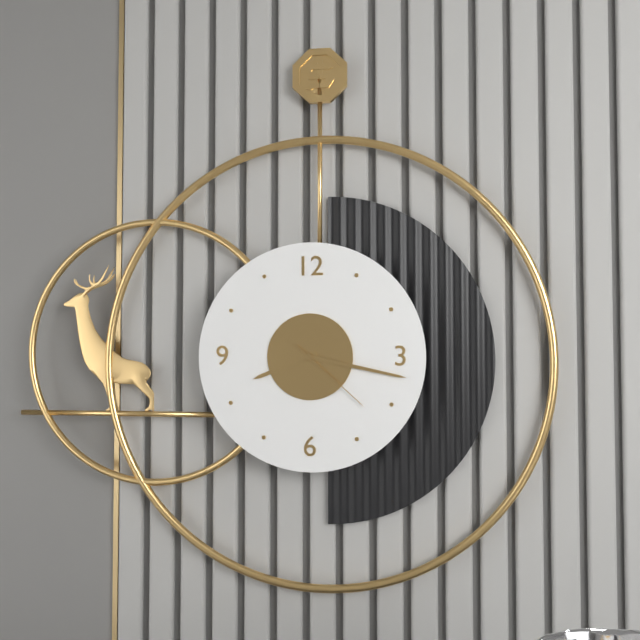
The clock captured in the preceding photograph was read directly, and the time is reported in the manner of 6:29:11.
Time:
8:17:22
